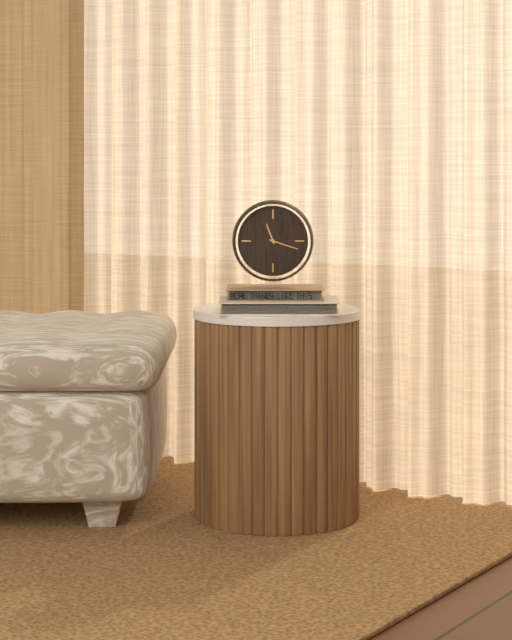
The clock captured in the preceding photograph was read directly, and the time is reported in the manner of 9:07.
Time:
11:18
